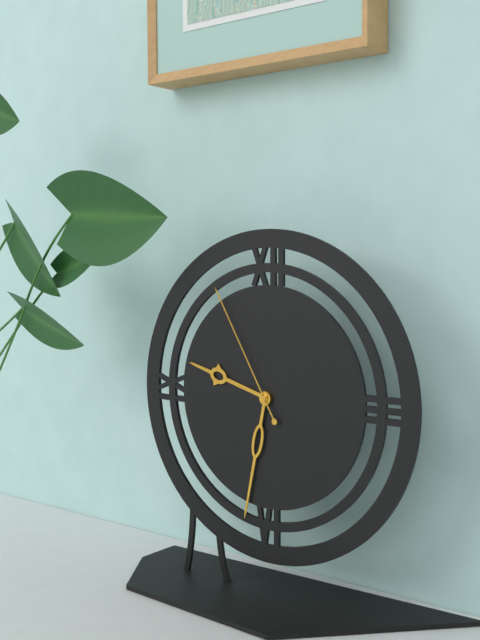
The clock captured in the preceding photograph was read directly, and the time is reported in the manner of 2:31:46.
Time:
9:32:55
